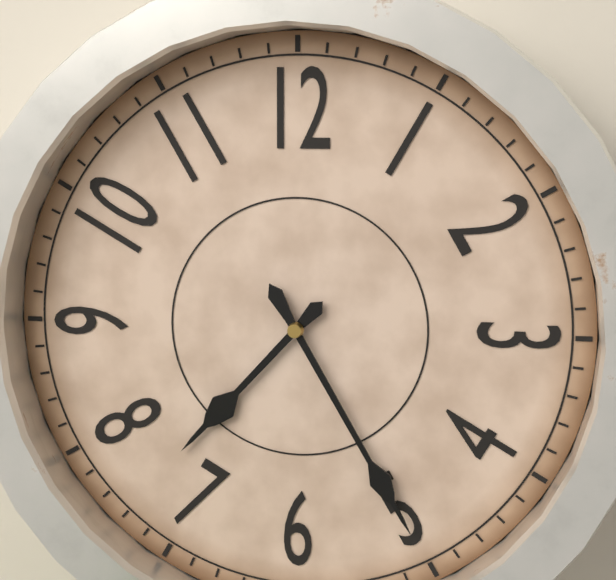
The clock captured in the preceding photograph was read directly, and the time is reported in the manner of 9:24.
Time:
7:25
